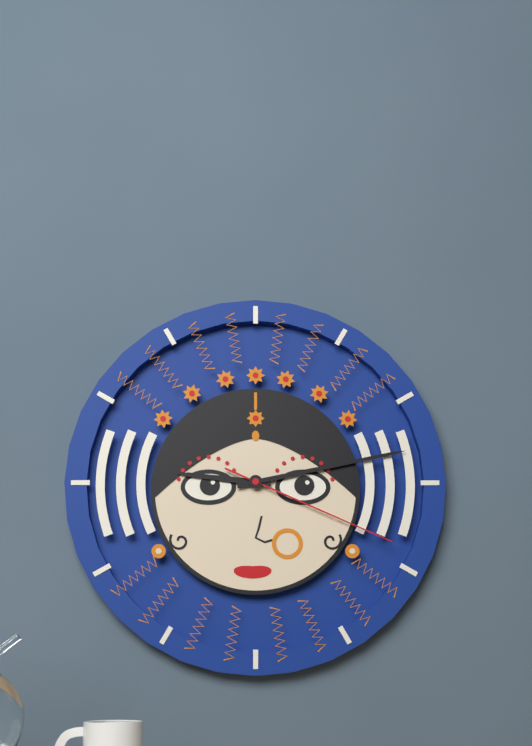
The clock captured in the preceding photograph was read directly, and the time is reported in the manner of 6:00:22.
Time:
9:13:19
